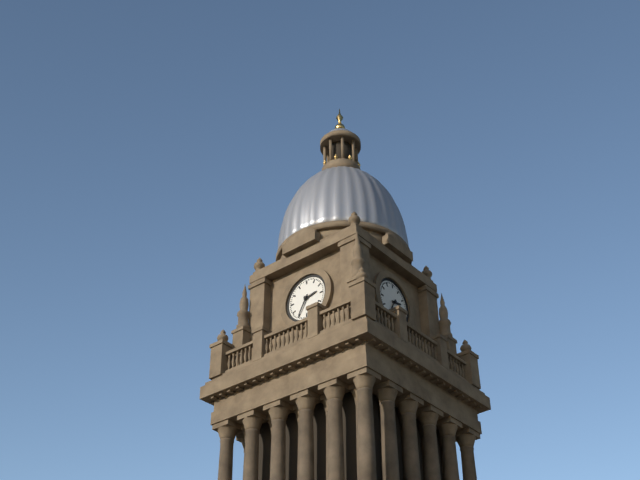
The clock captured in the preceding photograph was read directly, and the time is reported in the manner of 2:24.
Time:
2:35
